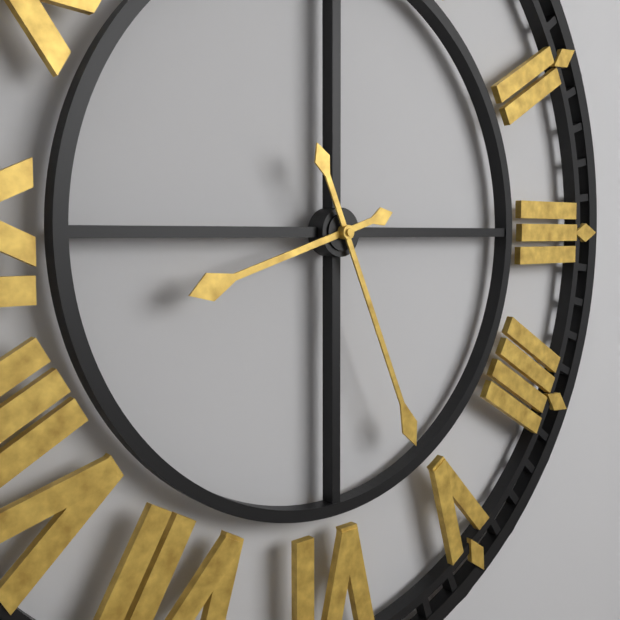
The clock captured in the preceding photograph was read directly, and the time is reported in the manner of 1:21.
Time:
8:26
